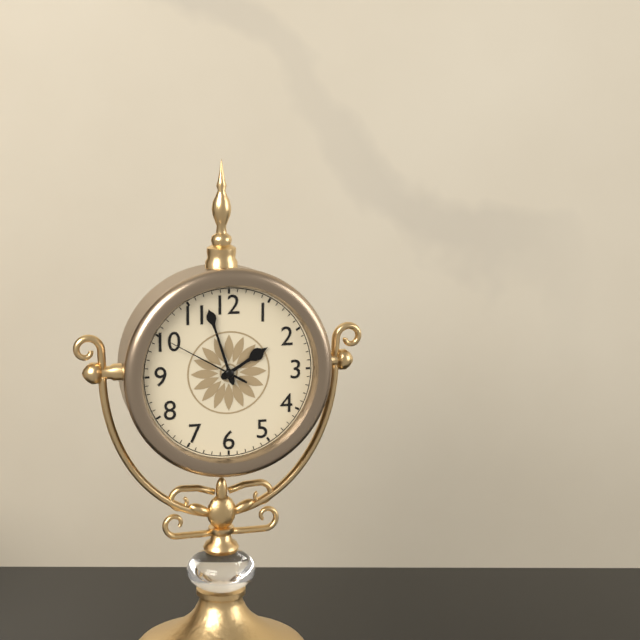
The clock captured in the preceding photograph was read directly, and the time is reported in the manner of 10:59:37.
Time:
1:57:50
